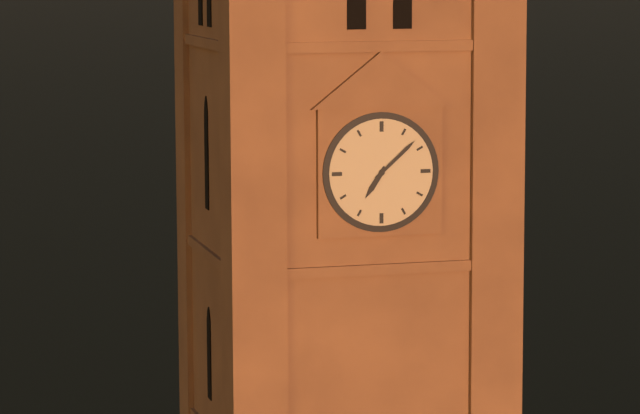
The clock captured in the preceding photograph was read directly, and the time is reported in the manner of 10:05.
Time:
7:08
